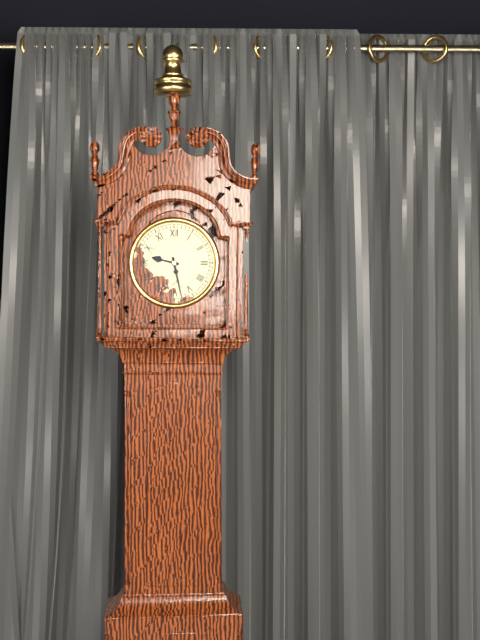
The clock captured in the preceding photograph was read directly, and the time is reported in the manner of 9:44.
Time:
9:28
